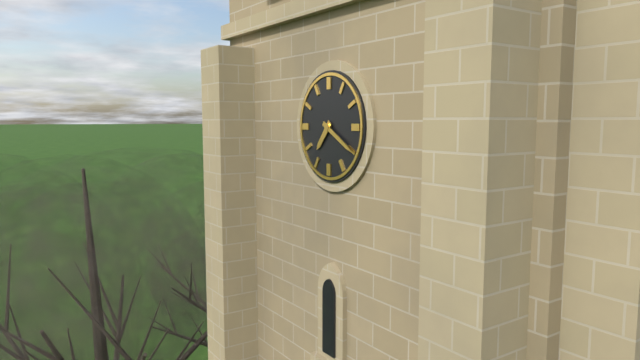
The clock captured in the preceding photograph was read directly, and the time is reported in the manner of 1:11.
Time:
7:20
